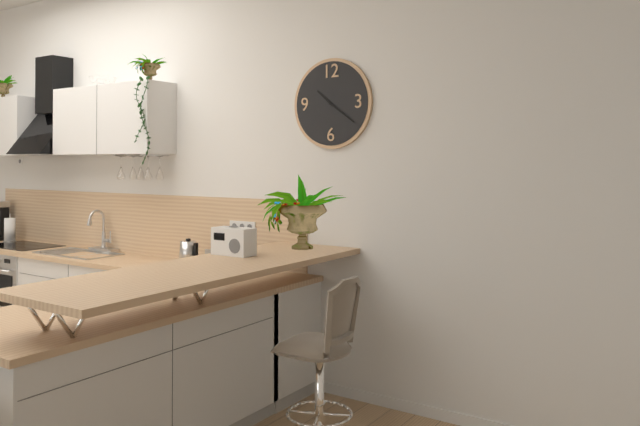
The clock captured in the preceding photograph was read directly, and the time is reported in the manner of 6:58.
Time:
10:21
